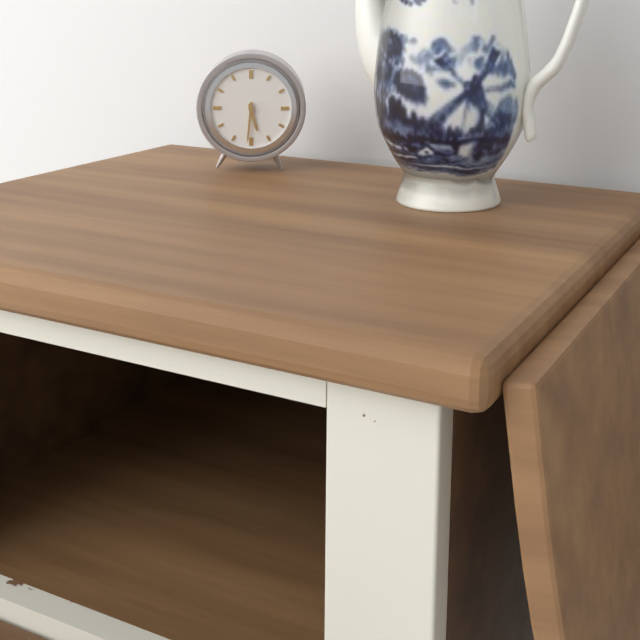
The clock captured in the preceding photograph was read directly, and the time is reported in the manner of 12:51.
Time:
5:31
